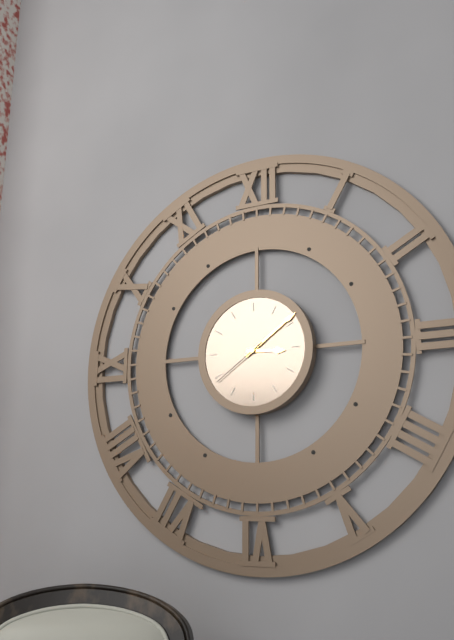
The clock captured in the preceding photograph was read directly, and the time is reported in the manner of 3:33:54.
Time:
3:09:39
